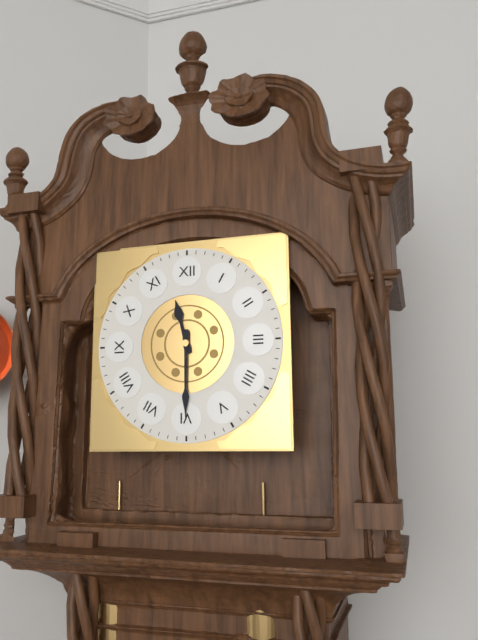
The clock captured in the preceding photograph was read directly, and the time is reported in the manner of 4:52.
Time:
11:30
